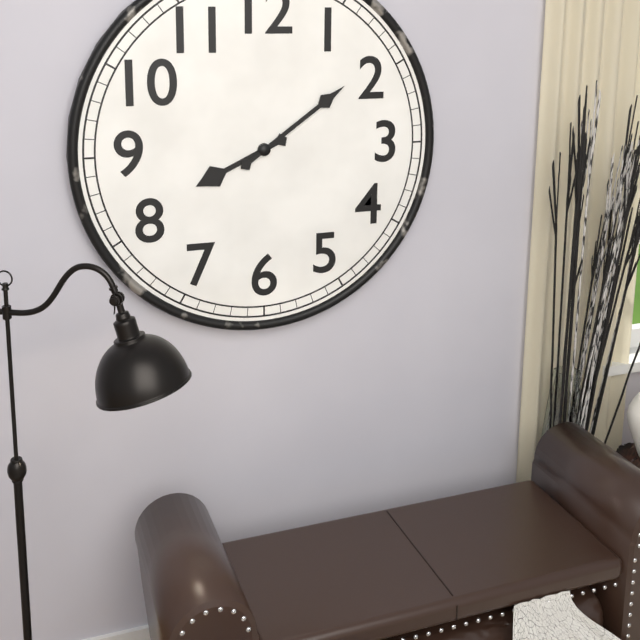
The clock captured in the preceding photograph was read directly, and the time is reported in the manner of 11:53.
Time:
8:09
